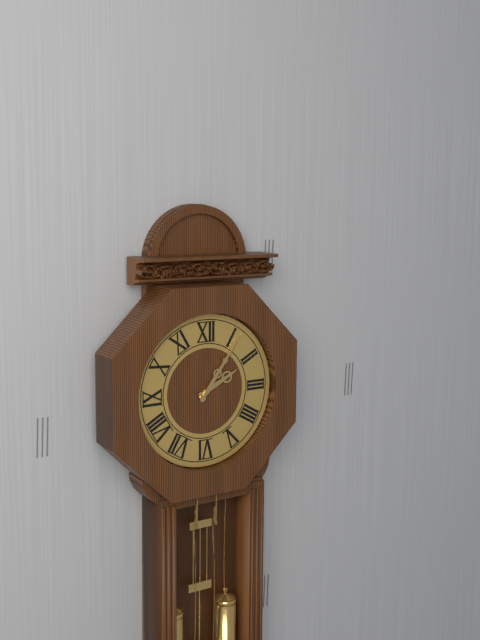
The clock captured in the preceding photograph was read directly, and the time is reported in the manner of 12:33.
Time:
2:06
